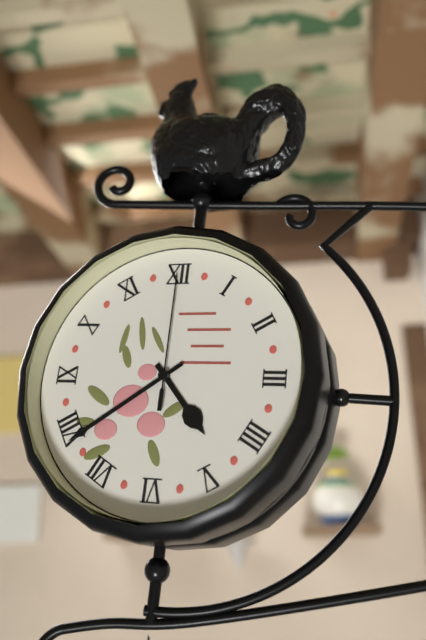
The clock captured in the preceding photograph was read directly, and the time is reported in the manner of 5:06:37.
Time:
4:39:00
